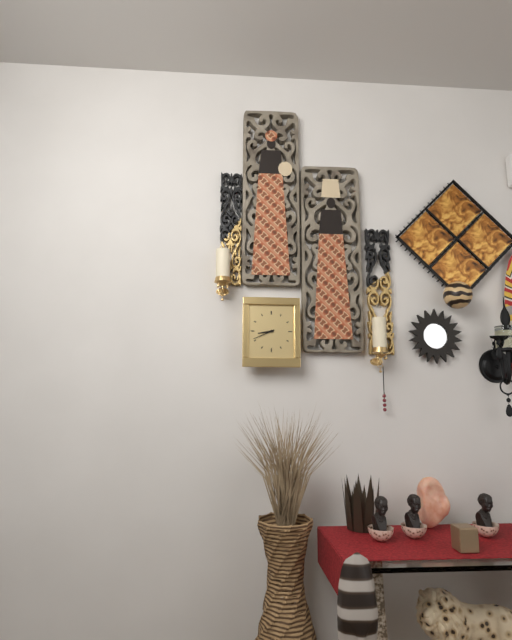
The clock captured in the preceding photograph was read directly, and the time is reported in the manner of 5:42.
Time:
8:41
